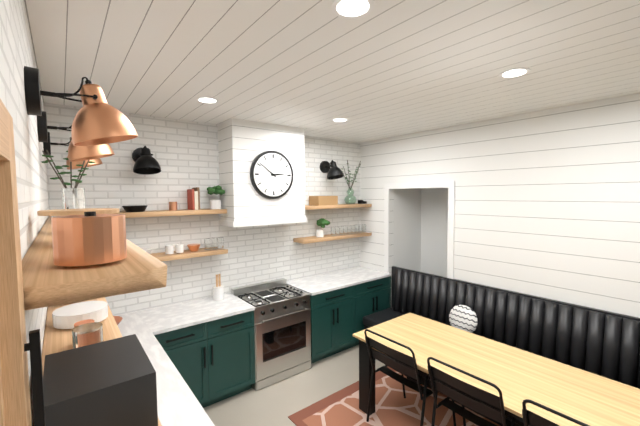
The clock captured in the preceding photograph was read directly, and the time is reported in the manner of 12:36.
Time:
2:51
